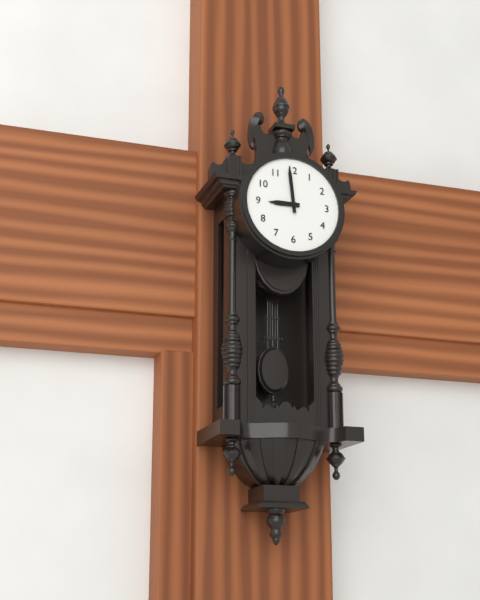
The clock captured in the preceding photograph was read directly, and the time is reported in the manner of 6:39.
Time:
8:59
